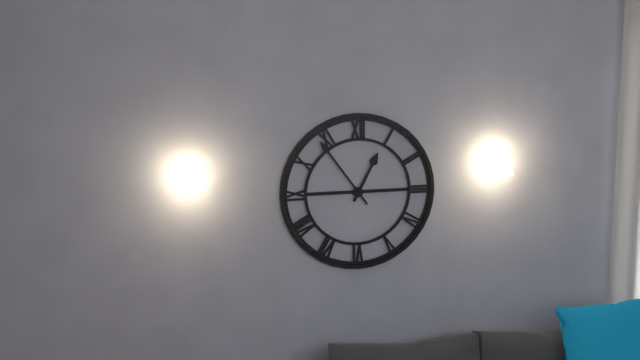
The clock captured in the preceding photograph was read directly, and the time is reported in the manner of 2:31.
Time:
12:54
